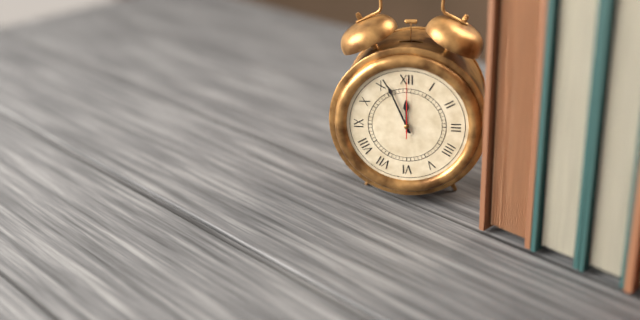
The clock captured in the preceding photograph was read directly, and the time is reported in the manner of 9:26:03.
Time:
11:56:00
